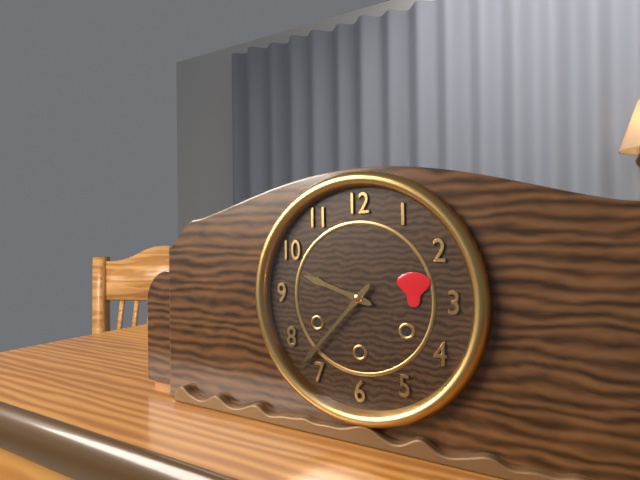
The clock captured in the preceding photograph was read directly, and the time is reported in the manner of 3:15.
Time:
9:37
